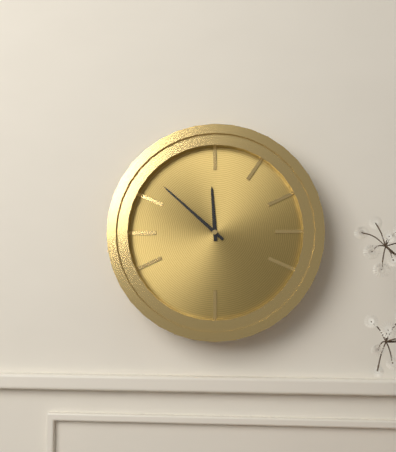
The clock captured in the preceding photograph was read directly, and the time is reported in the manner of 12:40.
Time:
11:52
